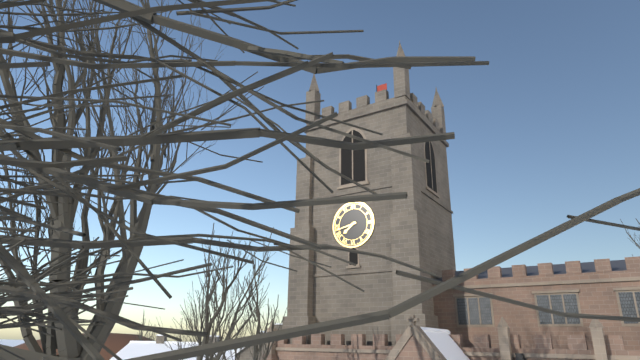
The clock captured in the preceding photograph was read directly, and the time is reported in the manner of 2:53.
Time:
7:43
